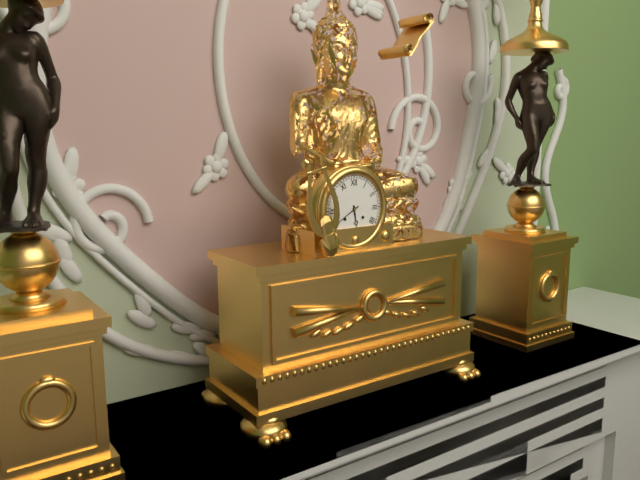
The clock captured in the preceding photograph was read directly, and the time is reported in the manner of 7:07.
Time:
5:40
